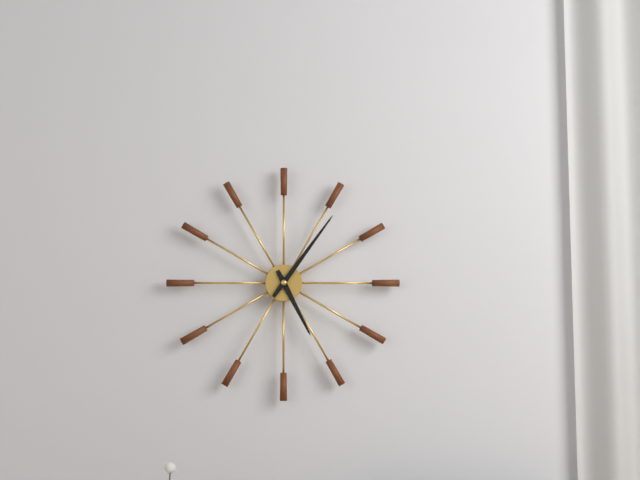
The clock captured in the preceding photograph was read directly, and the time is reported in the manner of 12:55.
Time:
5:06
